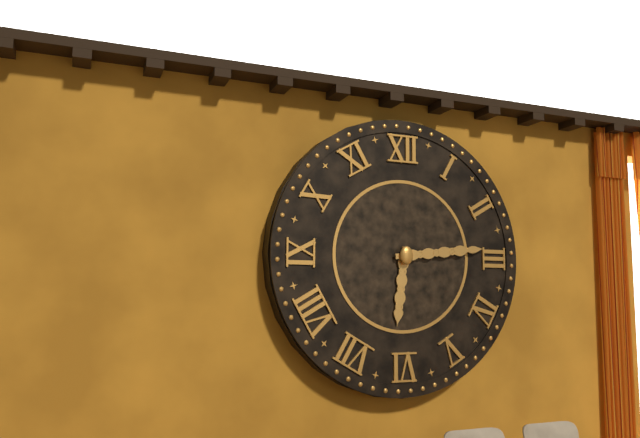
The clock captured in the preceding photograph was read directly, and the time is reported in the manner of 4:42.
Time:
6:14
